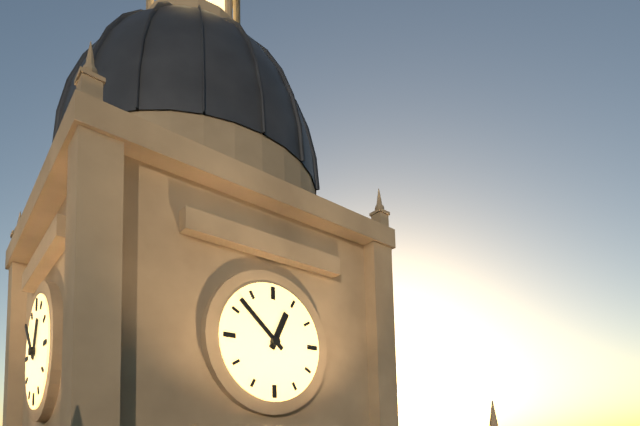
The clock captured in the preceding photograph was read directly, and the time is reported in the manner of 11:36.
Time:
12:52
